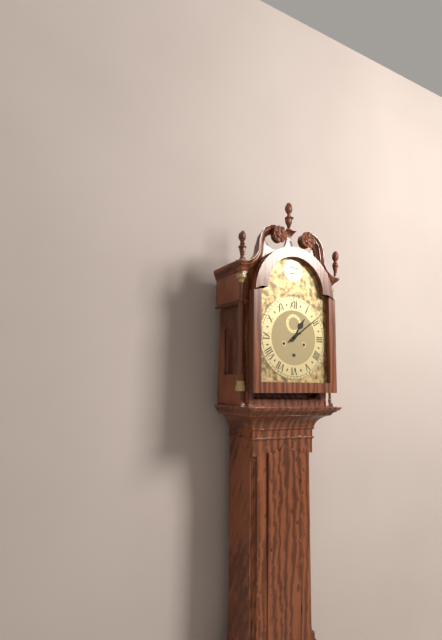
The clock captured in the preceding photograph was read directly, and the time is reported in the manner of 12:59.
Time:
1:09
